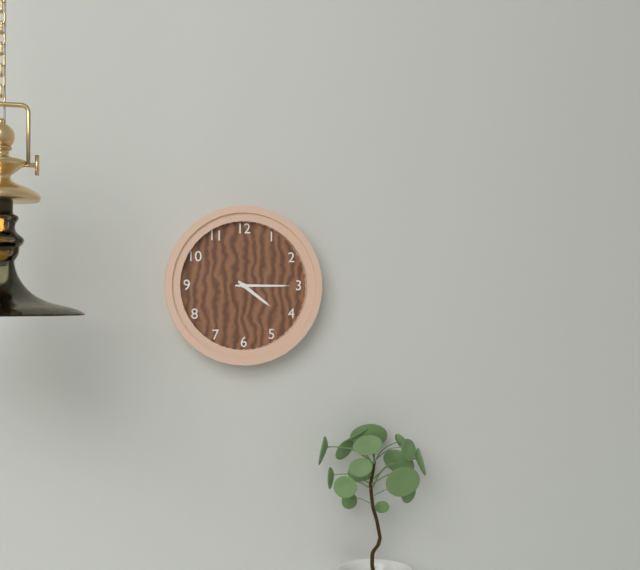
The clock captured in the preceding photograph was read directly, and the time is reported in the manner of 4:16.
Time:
4:15
